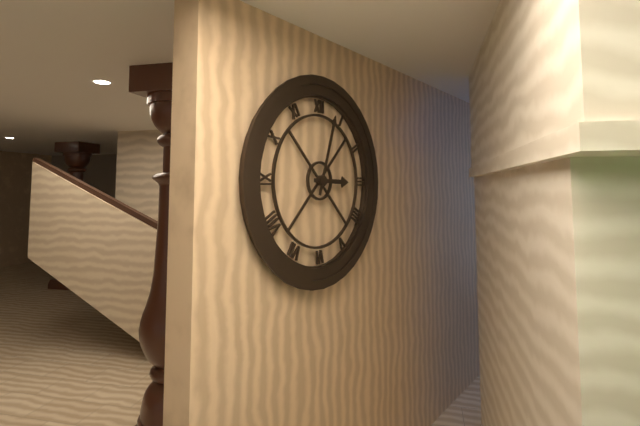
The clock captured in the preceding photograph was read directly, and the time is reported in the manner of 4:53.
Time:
3:03
